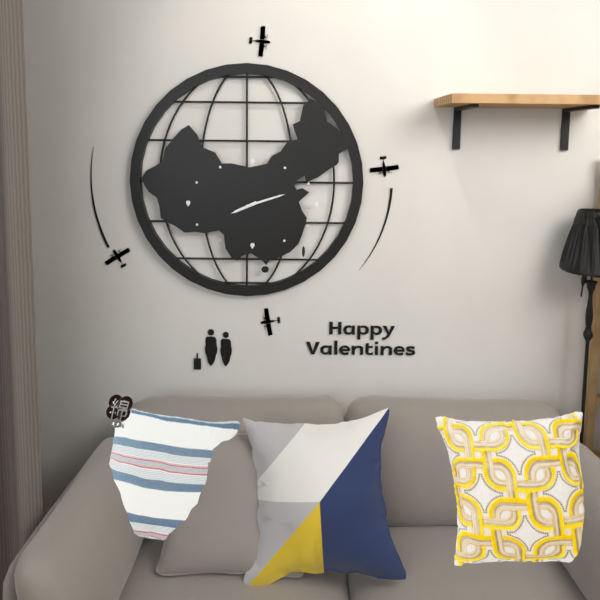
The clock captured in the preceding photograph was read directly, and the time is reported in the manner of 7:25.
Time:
8:12
